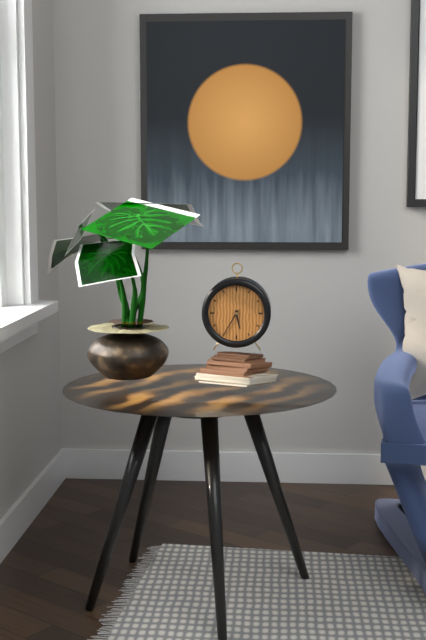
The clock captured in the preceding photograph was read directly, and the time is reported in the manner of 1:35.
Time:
5:35
